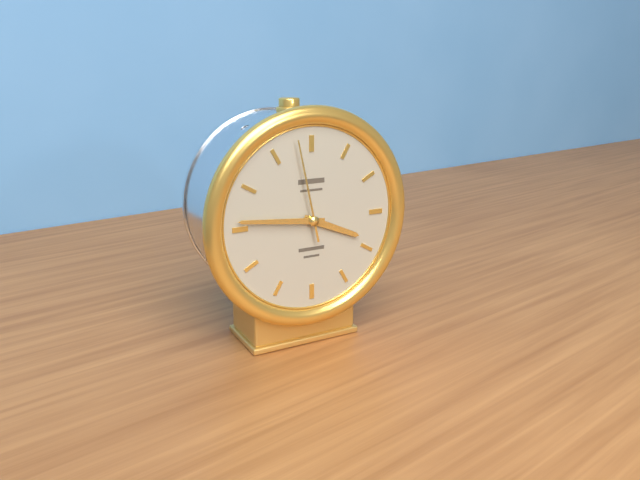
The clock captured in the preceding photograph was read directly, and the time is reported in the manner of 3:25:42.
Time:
3:46:58
